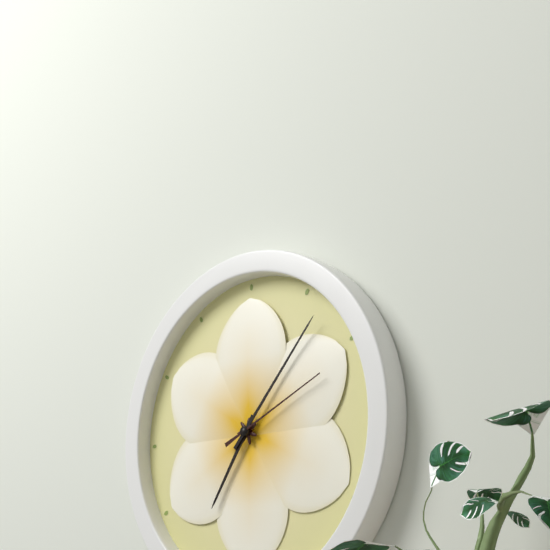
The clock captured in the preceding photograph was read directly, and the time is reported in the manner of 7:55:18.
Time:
7:07:11
